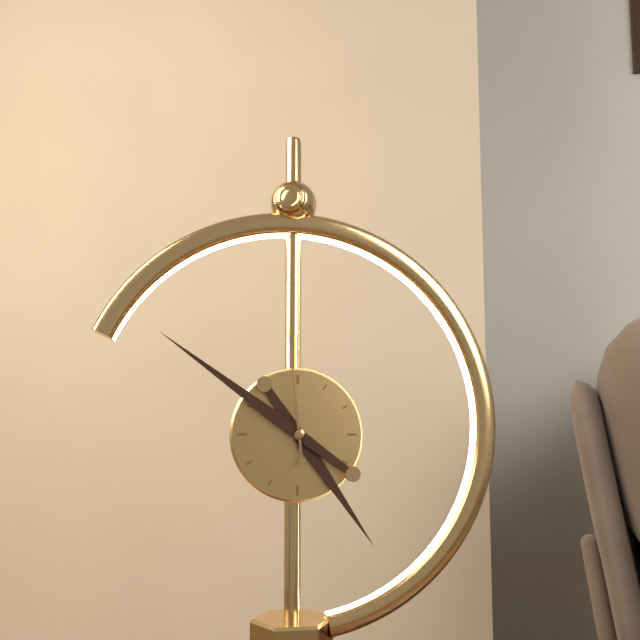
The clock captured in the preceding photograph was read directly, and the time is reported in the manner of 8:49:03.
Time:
4:51:59
